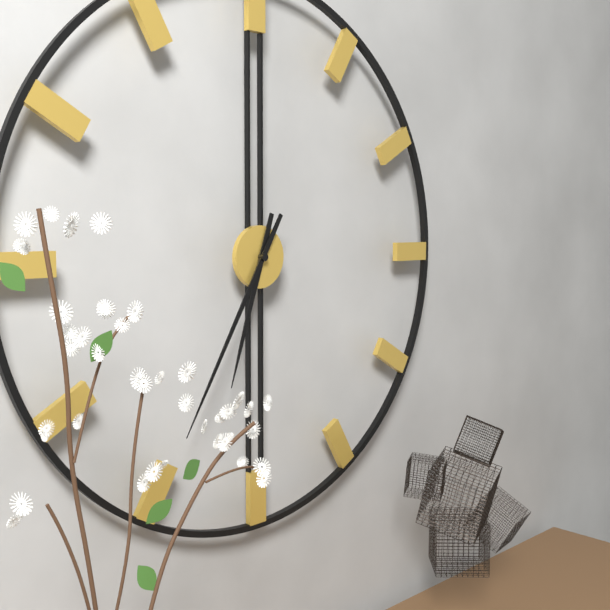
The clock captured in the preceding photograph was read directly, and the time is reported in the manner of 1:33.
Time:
6:35
